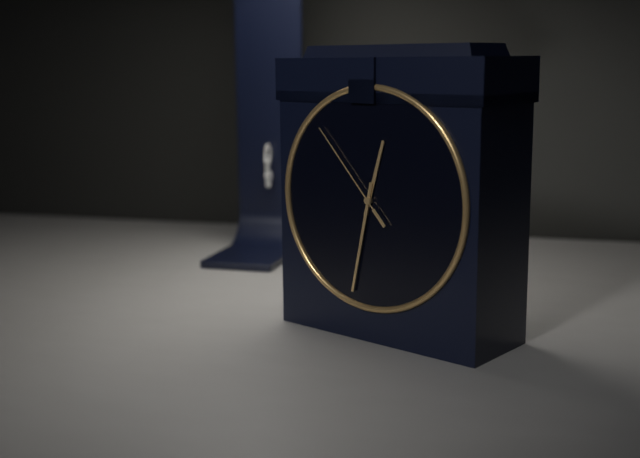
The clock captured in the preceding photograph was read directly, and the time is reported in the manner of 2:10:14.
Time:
12:32:53
